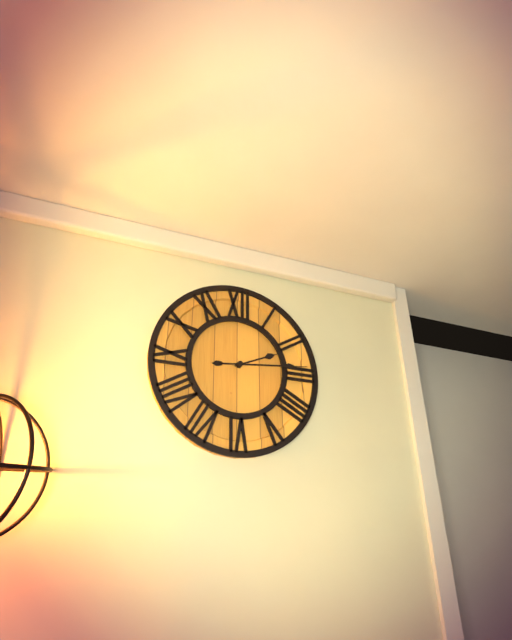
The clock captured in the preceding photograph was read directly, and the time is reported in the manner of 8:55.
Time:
2:14
